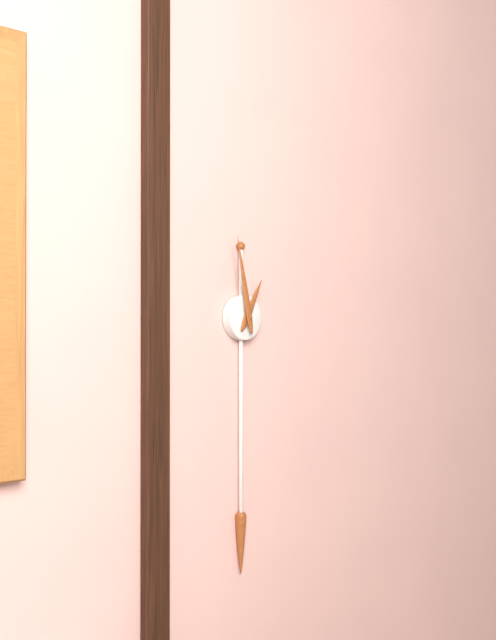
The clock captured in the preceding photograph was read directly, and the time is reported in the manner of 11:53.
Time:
12:58
